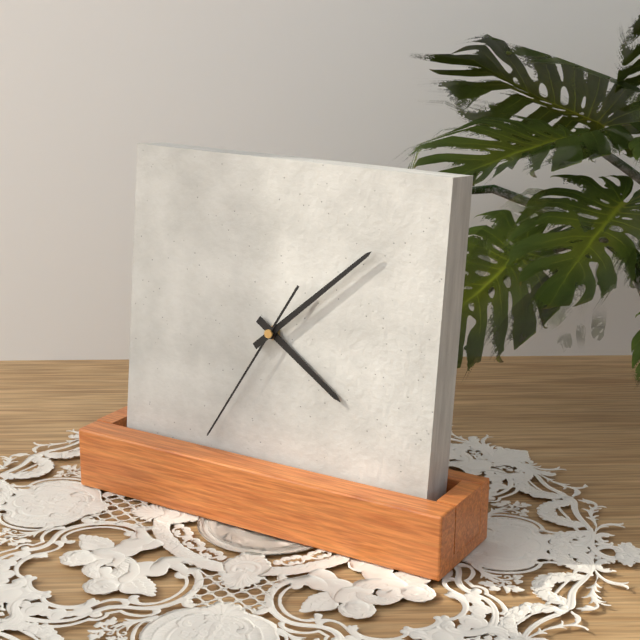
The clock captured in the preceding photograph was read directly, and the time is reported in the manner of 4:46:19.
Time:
4:08:35
